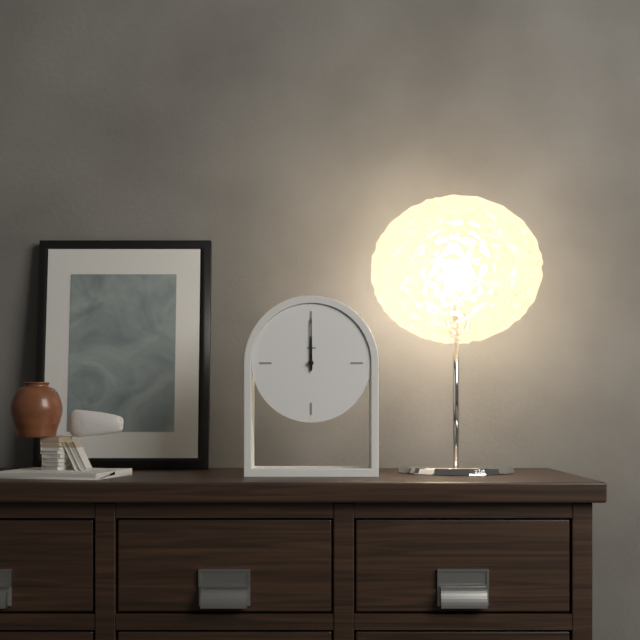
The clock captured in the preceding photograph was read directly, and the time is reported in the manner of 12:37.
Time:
12:00
